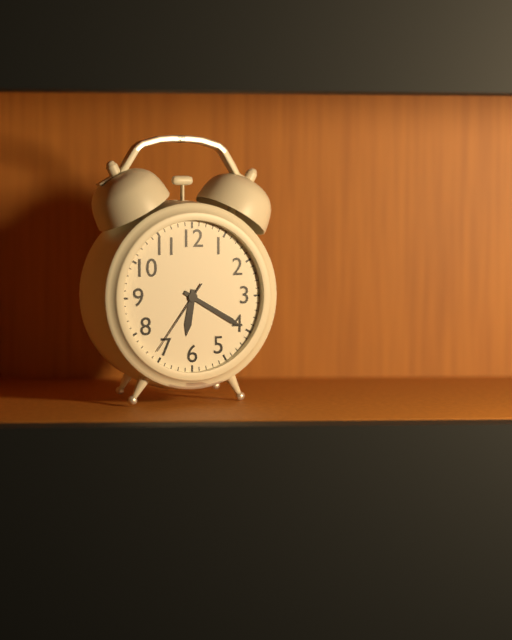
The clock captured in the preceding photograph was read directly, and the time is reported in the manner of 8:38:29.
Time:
6:20:36
